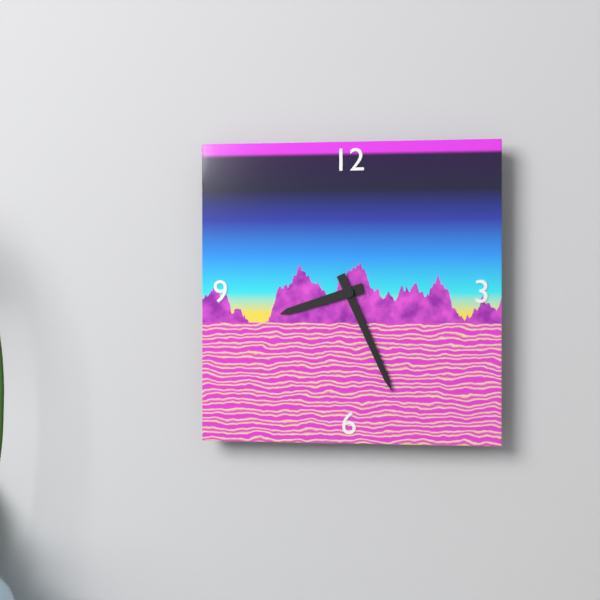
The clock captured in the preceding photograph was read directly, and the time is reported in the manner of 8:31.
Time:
8:26
